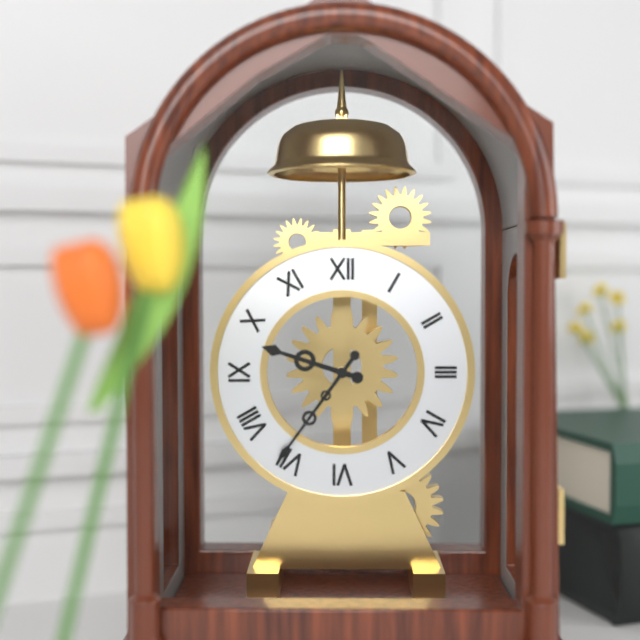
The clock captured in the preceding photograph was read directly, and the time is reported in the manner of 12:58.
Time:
9:36
